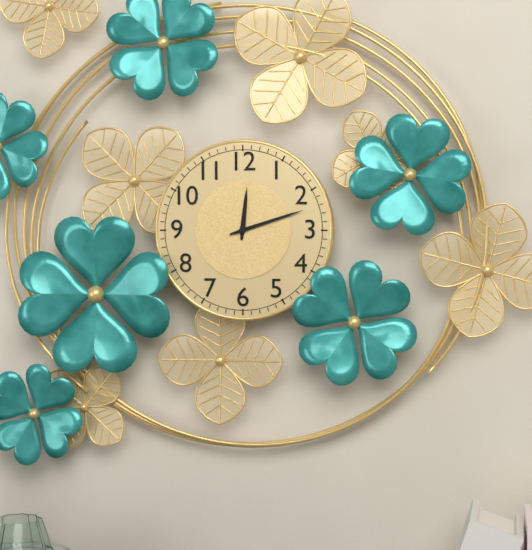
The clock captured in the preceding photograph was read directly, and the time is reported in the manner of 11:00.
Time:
12:12
